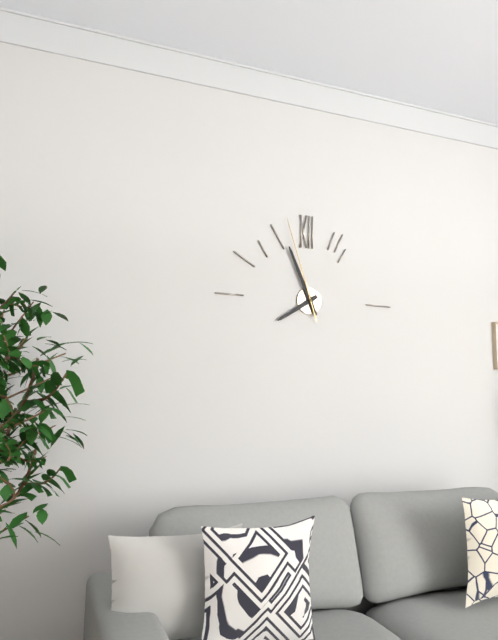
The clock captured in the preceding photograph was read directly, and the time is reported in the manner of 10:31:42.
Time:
7:56:57
